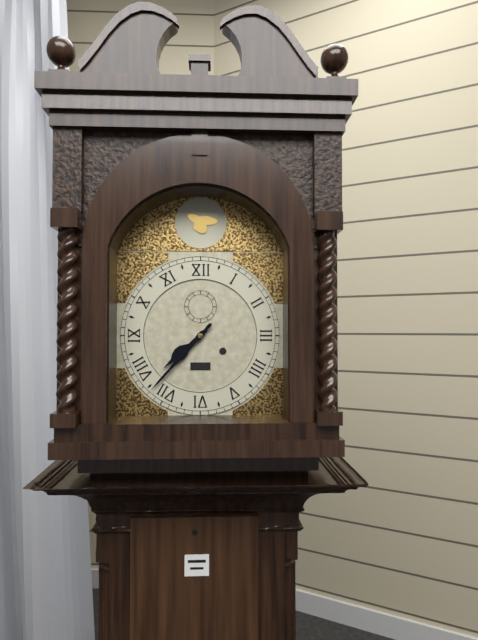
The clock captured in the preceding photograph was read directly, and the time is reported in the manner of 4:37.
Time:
7:37
